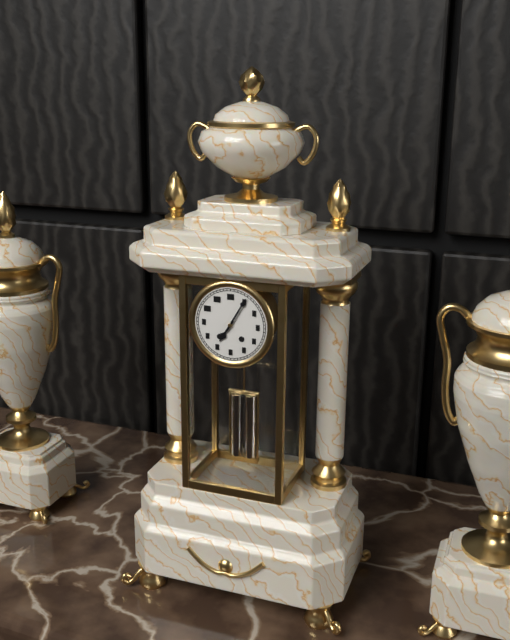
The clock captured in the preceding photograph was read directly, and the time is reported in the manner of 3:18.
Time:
7:05
